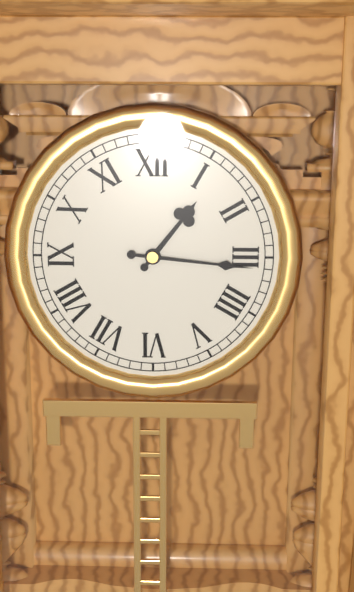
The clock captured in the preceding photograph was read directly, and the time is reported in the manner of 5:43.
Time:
1:16
